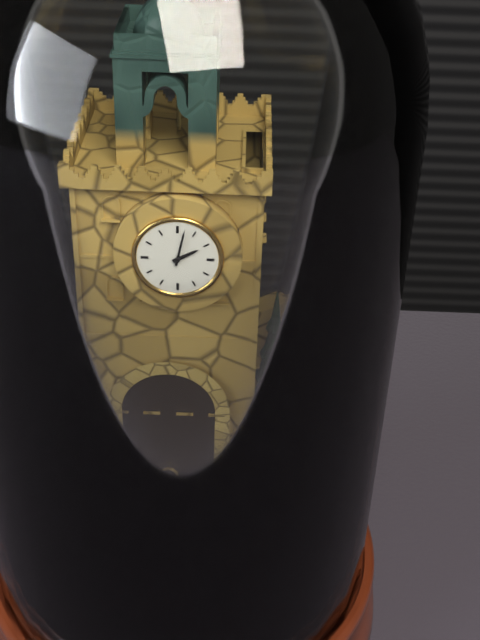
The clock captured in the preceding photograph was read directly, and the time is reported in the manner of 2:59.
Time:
2:02
